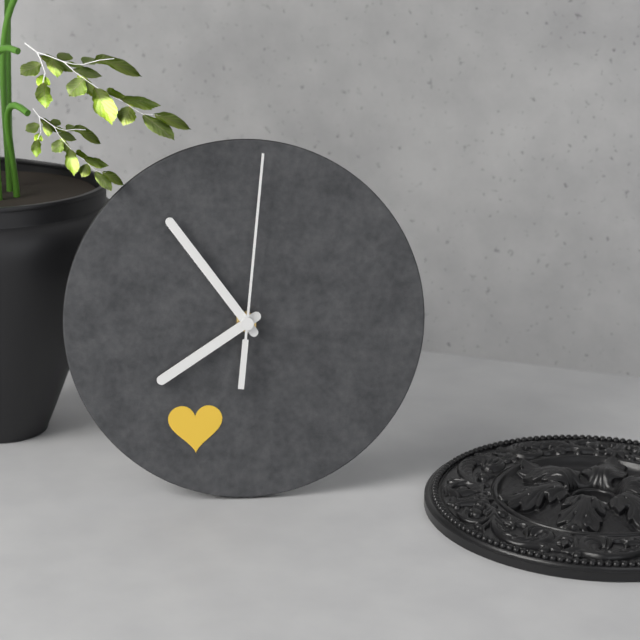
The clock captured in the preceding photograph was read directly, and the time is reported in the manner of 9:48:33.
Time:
7:54:01
